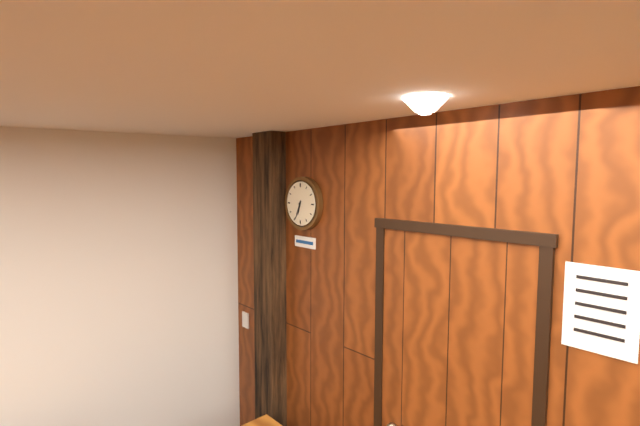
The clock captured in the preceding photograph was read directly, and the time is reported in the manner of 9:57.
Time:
6:34
